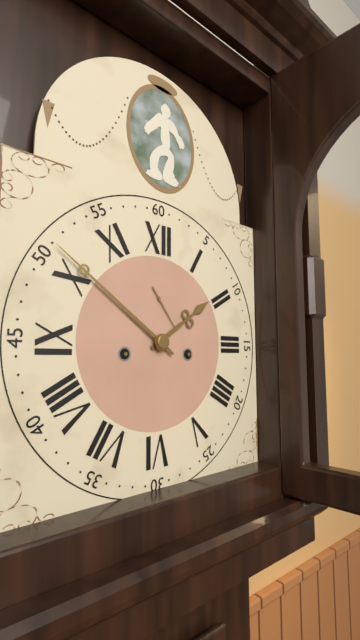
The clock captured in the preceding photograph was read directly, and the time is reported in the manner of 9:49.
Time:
1:51
